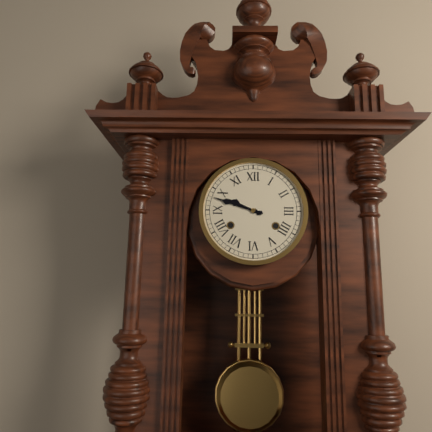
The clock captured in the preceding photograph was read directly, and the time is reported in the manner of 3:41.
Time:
9:48
